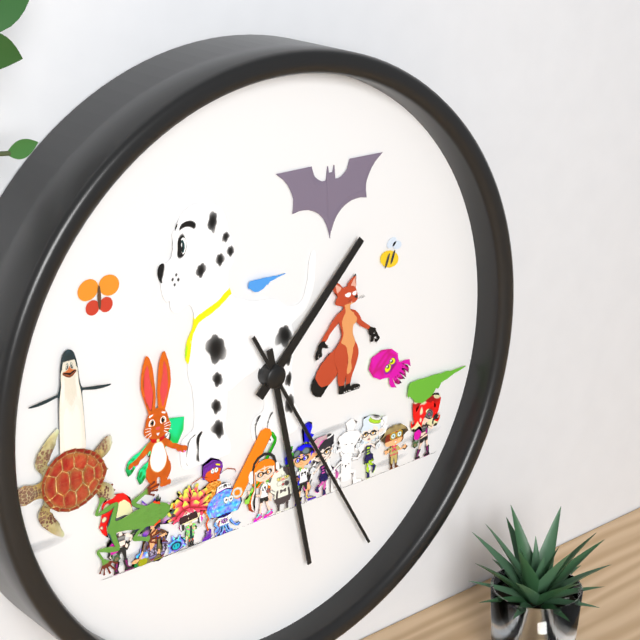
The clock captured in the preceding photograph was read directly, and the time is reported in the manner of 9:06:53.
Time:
1:28:25
